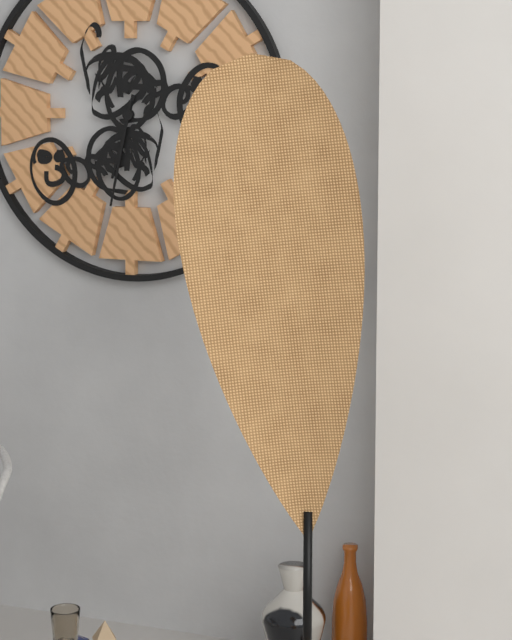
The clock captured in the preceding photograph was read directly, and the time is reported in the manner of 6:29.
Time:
6:32
